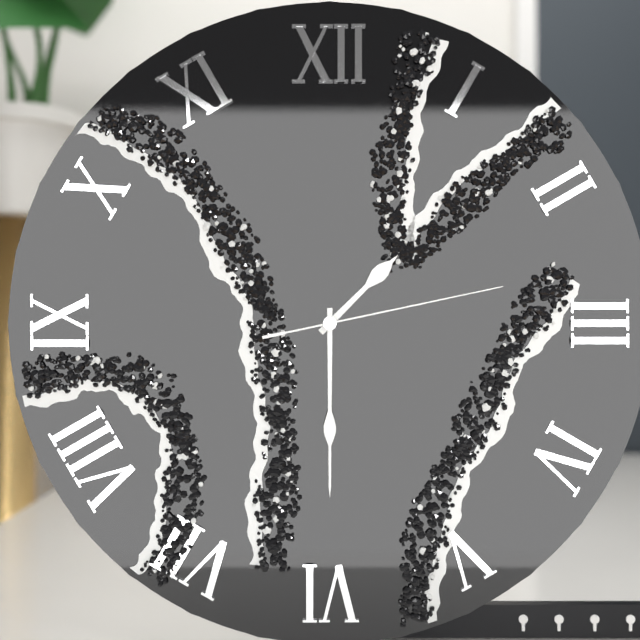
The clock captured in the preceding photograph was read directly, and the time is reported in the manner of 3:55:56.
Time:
1:30:13
